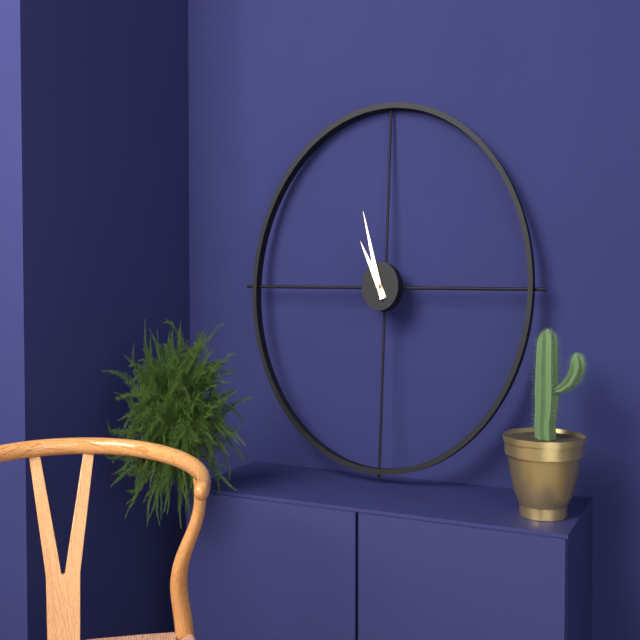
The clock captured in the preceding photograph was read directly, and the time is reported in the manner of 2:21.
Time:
10:57
